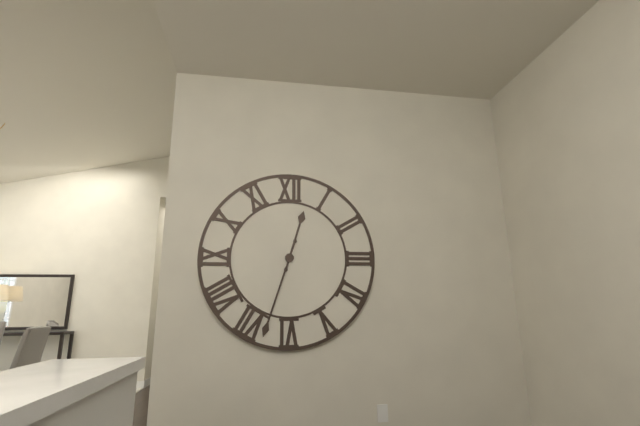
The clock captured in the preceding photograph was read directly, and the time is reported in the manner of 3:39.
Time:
12:33
